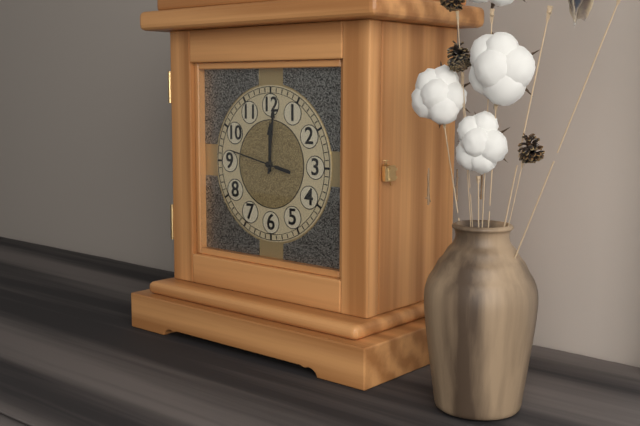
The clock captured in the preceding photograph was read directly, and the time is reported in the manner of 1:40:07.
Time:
12:01:47
